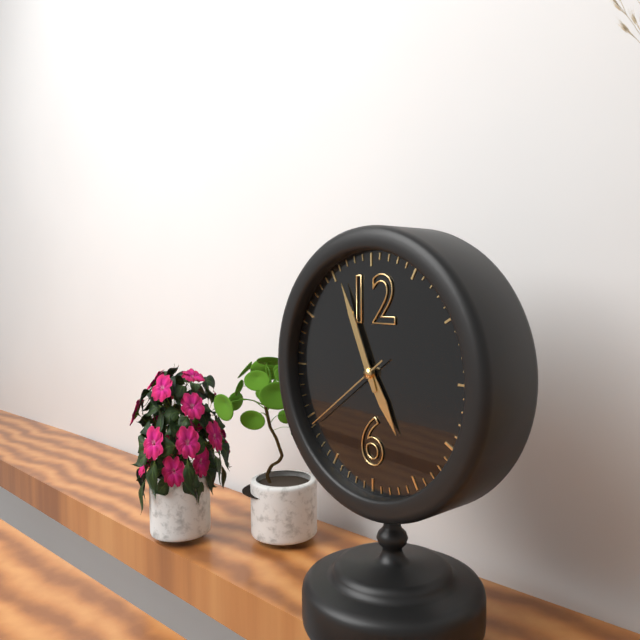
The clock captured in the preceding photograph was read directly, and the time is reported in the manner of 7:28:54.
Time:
4:56:39
